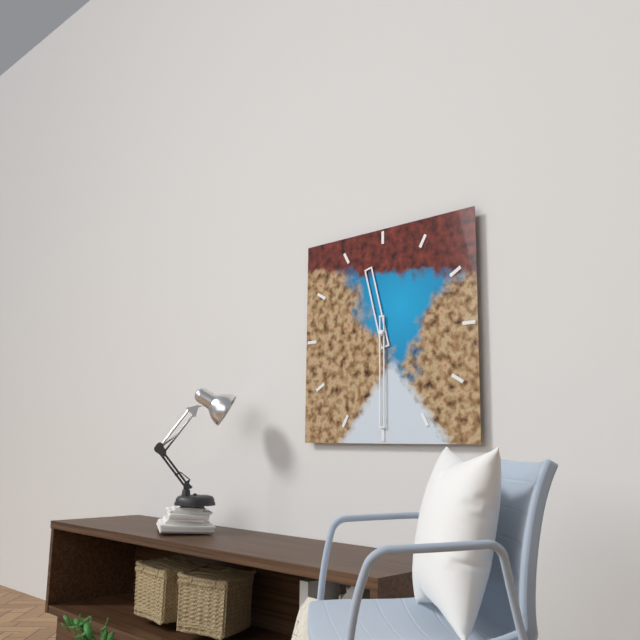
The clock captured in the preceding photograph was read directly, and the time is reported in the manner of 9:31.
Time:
11:30
